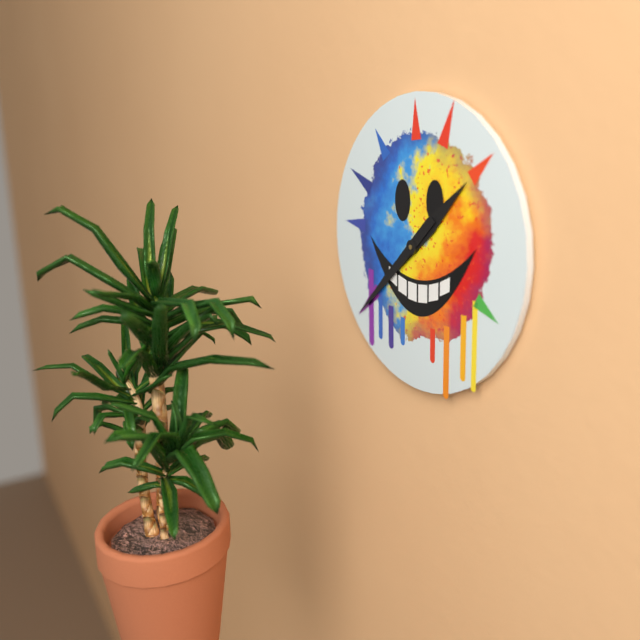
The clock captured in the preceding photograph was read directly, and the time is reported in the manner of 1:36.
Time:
1:38
